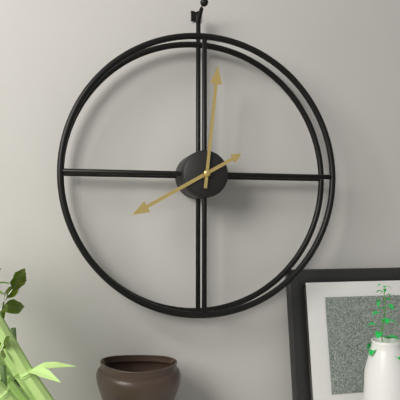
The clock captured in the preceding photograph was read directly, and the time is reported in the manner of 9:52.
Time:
8:01
